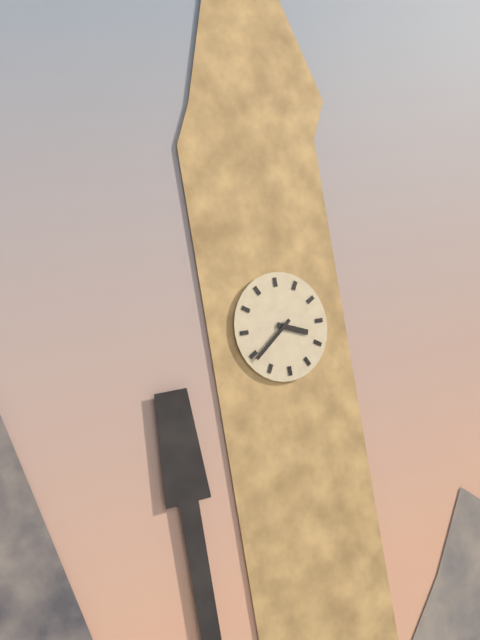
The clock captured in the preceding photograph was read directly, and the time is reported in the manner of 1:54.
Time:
3:39
